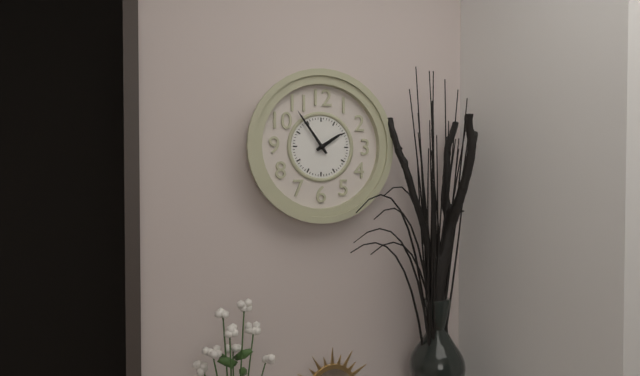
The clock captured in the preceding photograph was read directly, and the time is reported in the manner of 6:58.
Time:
1:54
